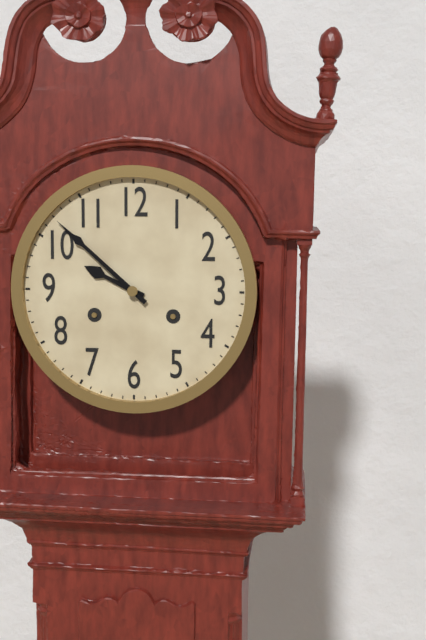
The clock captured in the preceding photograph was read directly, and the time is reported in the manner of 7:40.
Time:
9:52
